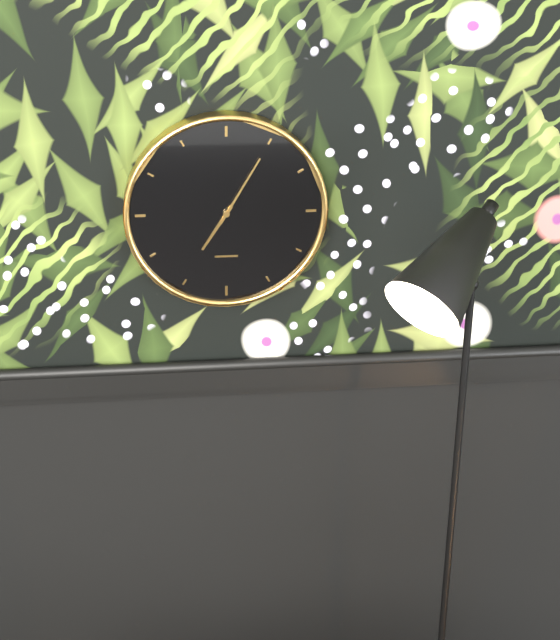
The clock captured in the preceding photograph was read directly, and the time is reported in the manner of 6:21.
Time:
7:05
